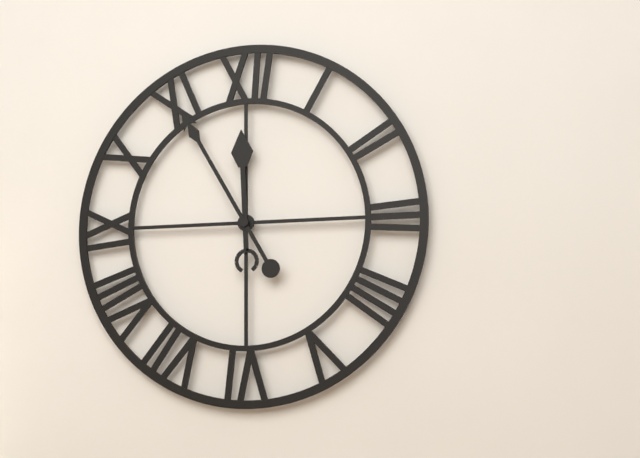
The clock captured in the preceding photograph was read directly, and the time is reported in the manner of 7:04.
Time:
11:55
